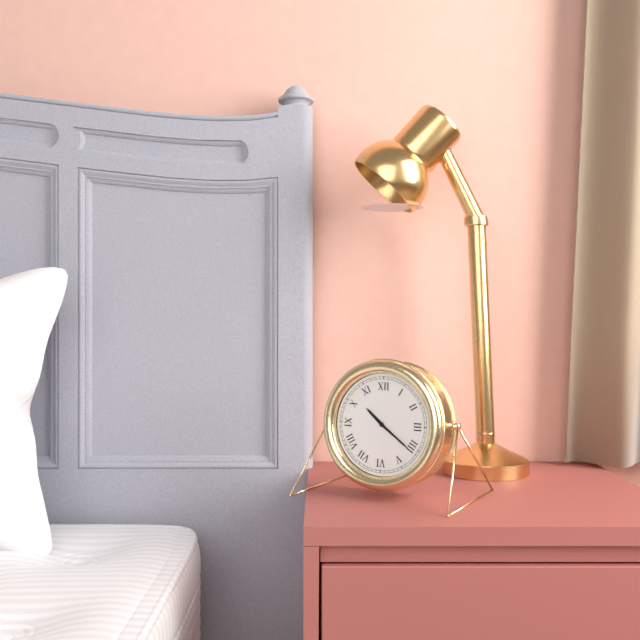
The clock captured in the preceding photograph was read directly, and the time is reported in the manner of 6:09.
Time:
10:21
